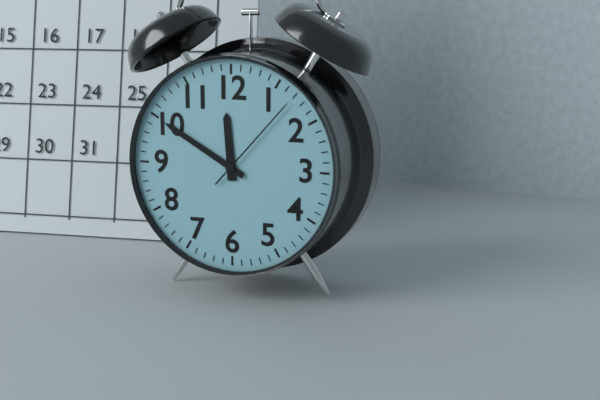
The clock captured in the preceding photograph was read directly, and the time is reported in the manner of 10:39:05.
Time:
11:50:07
